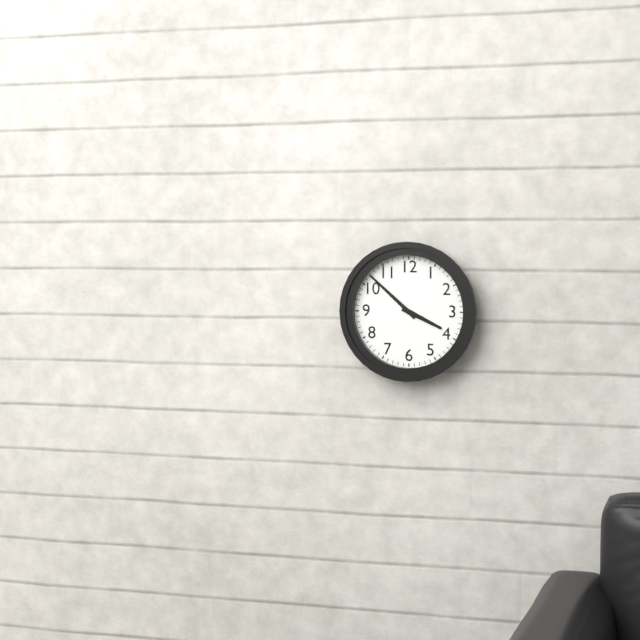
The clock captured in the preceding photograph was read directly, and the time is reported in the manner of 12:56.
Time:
3:52
